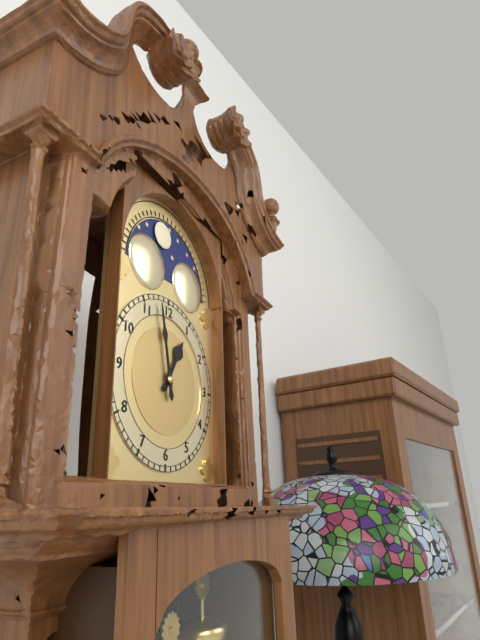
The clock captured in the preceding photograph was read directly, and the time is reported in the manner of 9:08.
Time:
12:58
